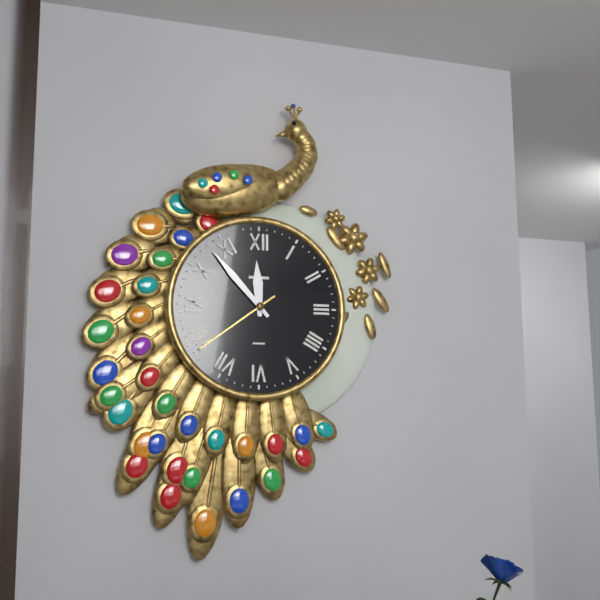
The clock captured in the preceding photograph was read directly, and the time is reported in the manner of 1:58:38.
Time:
11:53:39
